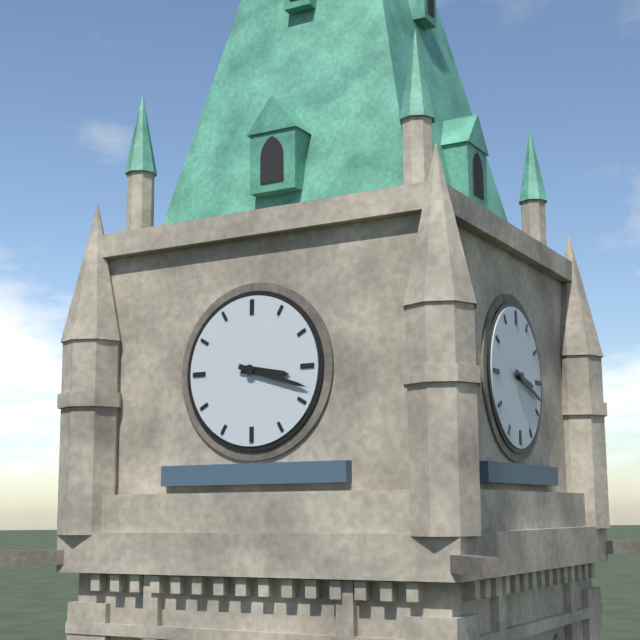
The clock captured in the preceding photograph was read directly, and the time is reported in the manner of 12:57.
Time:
3:18
